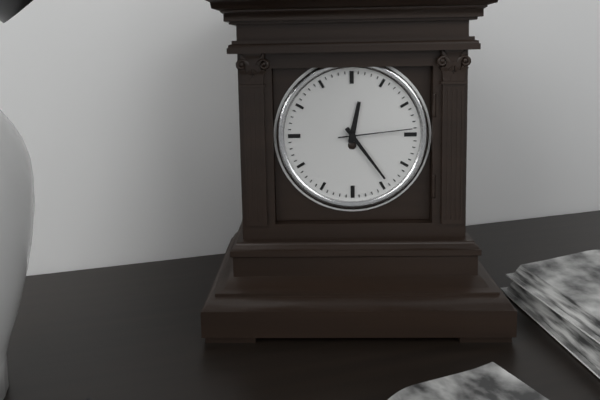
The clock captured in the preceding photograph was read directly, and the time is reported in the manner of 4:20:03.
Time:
12:24:14
